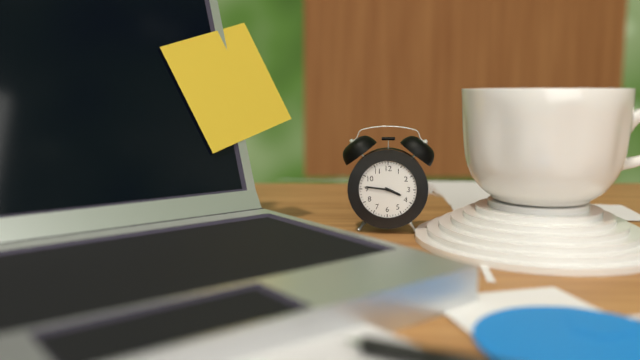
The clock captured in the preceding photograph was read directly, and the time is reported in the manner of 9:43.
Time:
3:46
